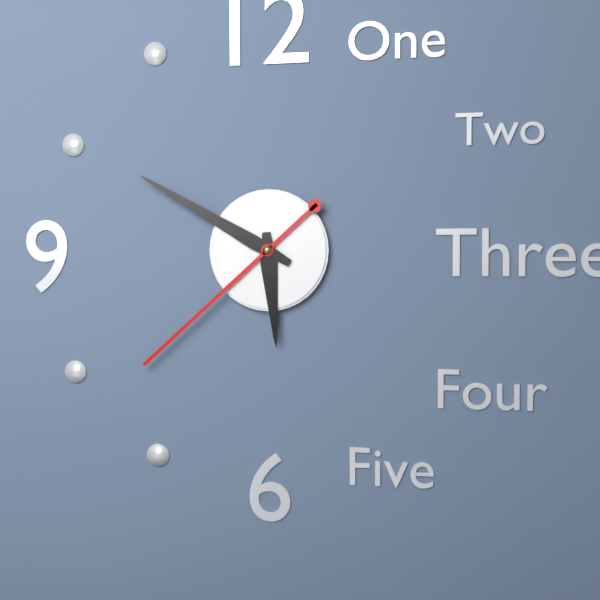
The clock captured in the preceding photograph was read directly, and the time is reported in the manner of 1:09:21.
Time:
5:50:38
